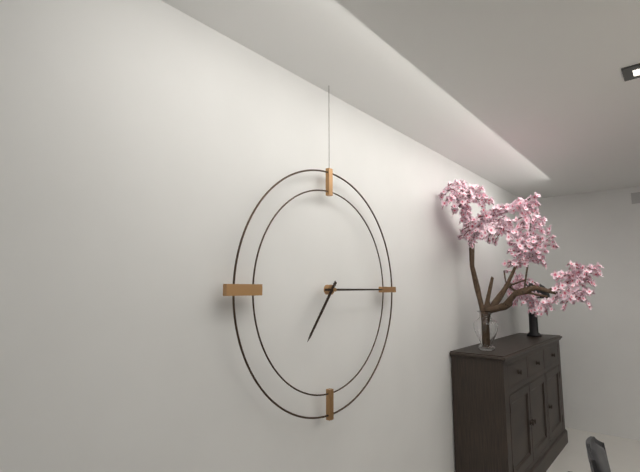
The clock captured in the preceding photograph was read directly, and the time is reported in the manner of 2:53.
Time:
7:15
